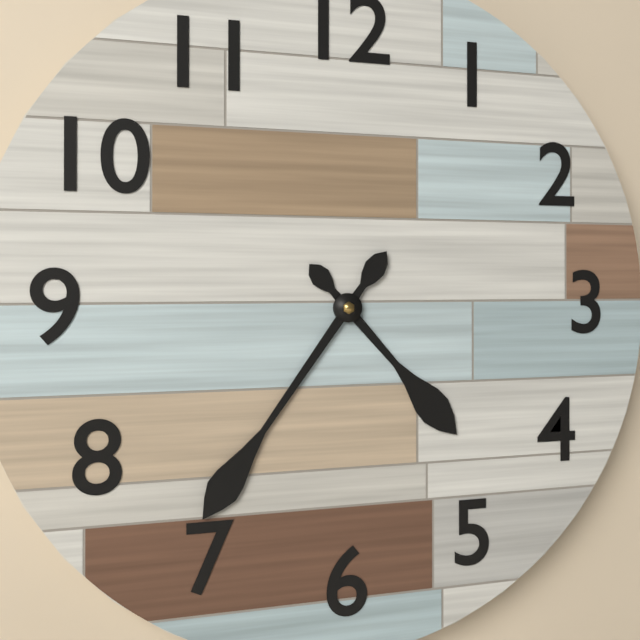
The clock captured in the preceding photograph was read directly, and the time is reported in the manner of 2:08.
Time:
4:36
